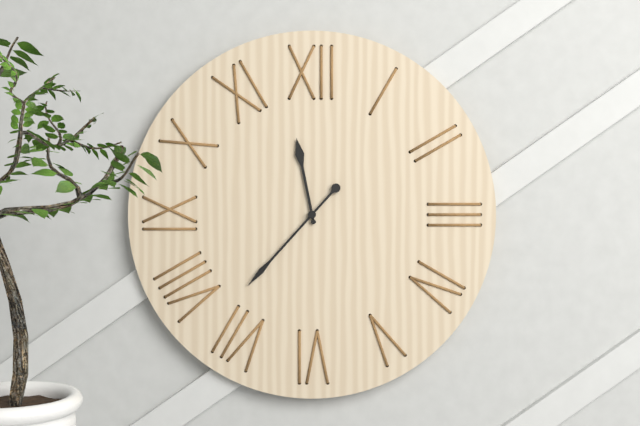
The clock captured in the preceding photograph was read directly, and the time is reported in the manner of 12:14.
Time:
11:37
